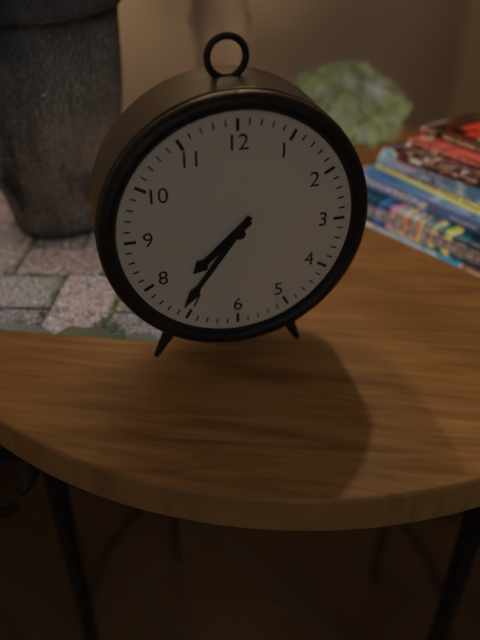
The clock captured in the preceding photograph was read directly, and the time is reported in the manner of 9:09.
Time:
7:36
